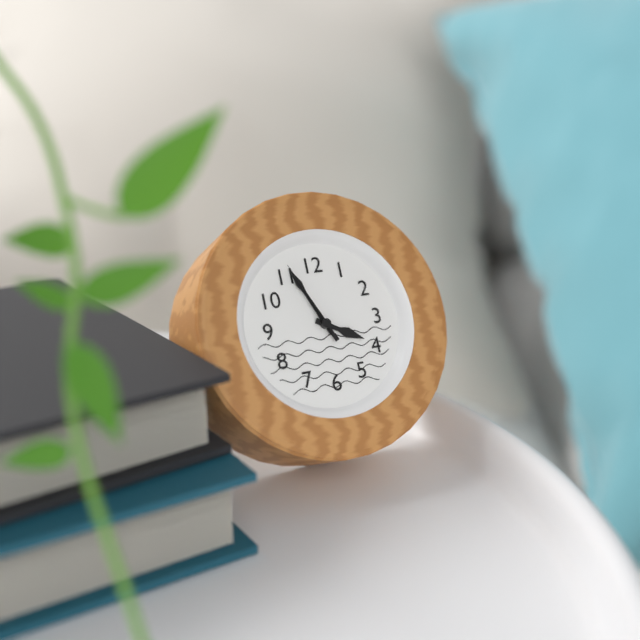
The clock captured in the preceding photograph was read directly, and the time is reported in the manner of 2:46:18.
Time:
3:56:56
